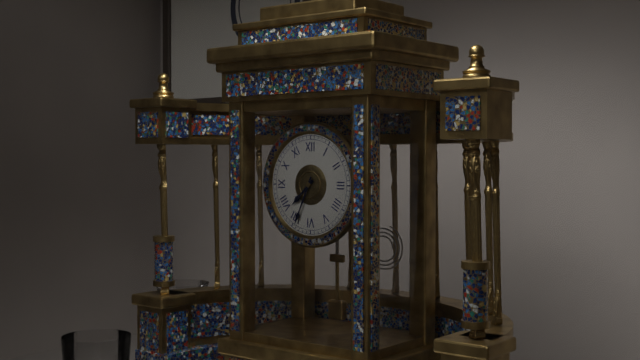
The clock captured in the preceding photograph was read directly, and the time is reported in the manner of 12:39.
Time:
7:34
